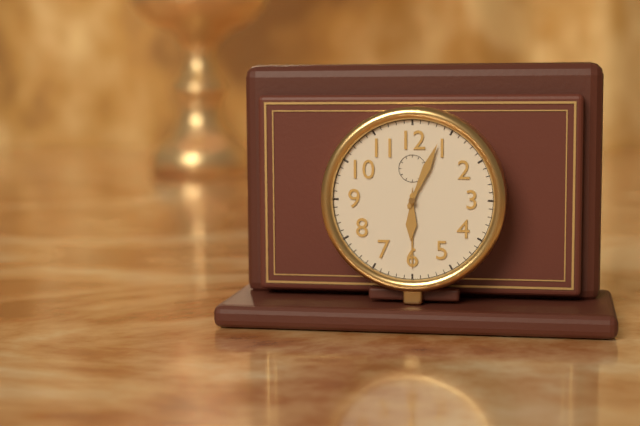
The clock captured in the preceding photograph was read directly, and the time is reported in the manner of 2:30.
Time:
6:04
